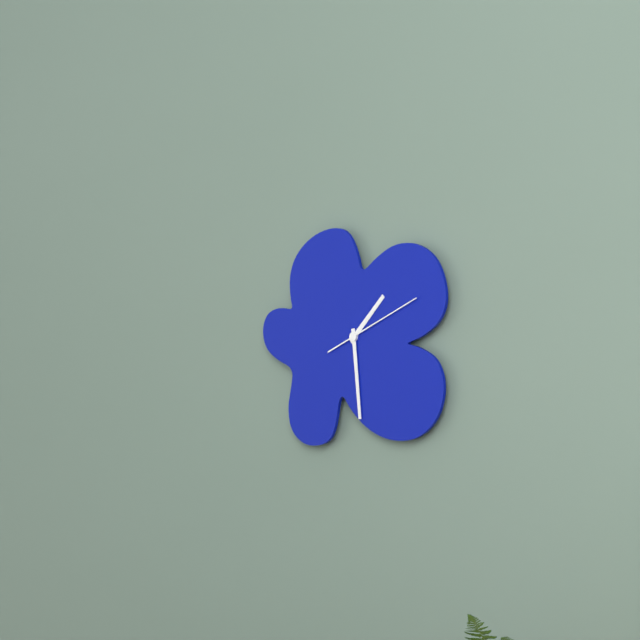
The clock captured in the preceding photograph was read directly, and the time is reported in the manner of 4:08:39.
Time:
1:29:11
